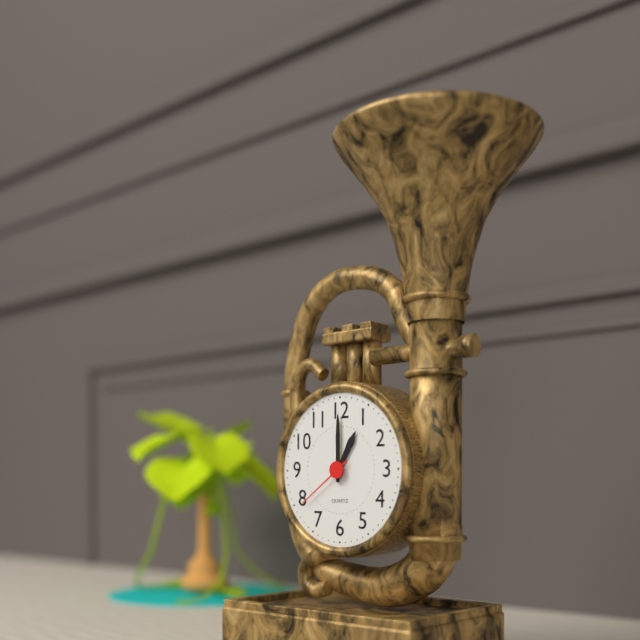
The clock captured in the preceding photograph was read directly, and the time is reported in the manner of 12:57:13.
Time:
1:00:39
